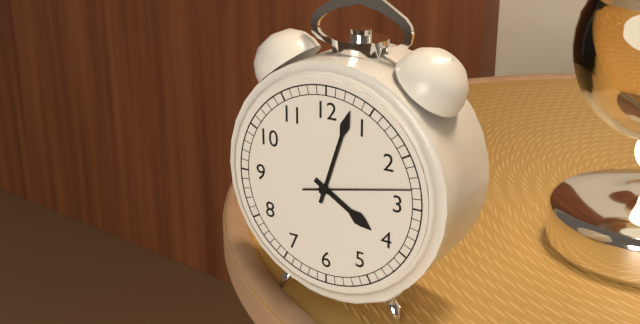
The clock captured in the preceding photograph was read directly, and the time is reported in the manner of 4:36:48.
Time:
4:03:13
